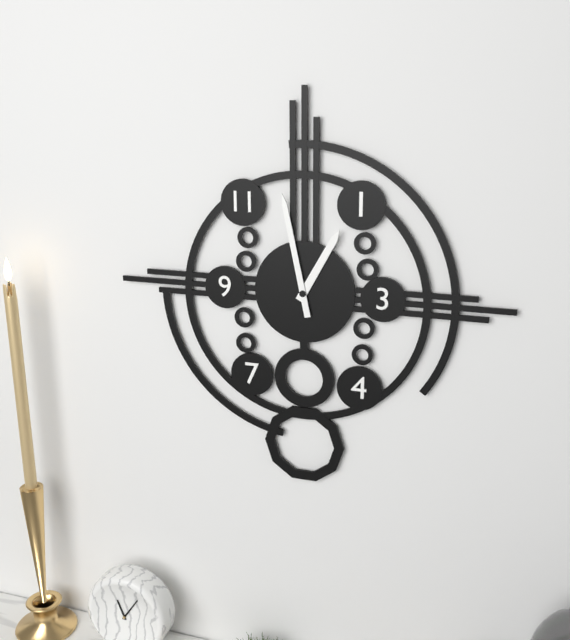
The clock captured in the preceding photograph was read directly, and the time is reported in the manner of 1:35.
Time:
12:58
